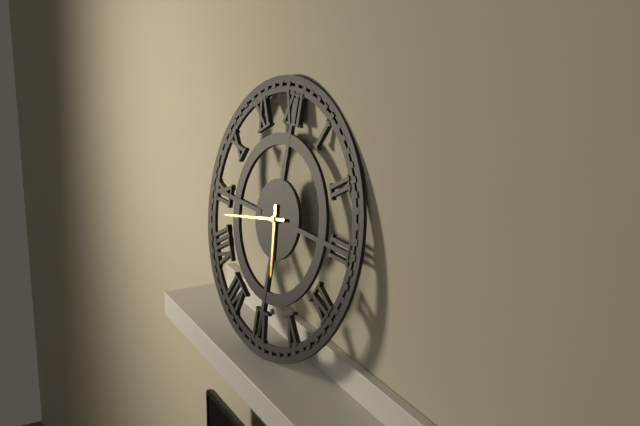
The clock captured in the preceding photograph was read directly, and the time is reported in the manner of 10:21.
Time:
5:43
